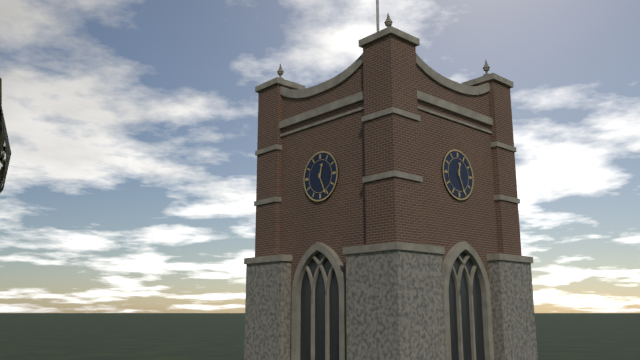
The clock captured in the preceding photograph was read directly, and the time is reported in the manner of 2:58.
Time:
12:26
